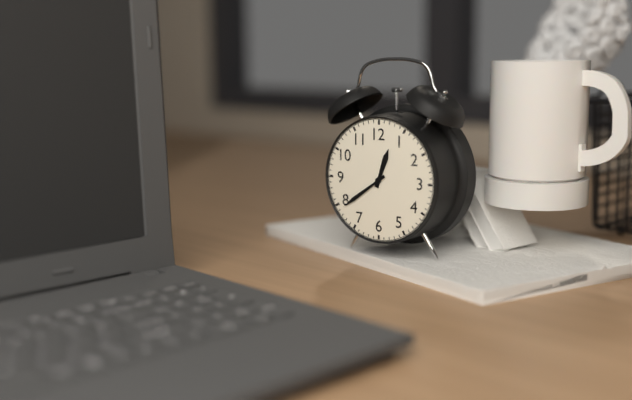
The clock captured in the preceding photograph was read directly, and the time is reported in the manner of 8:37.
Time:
12:39
